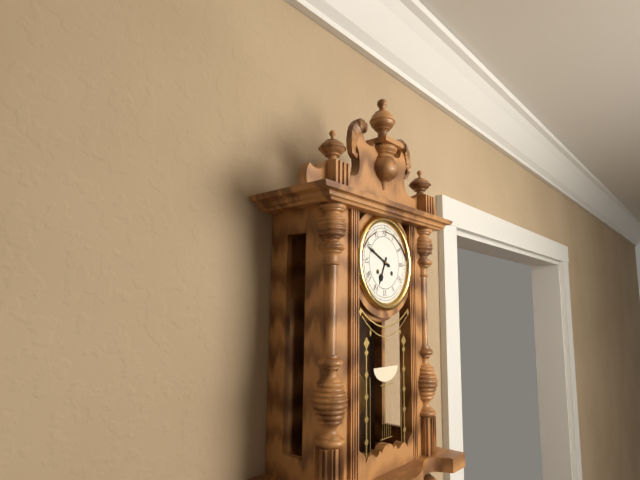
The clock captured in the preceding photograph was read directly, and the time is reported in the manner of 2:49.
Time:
6:49
